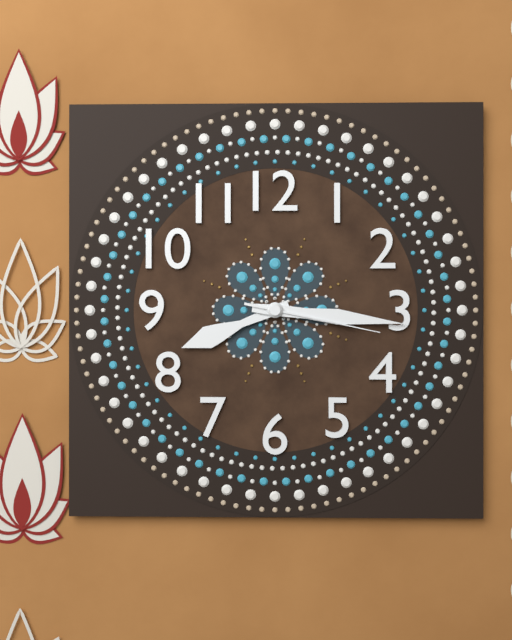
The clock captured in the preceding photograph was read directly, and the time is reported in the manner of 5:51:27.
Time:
8:16:17
